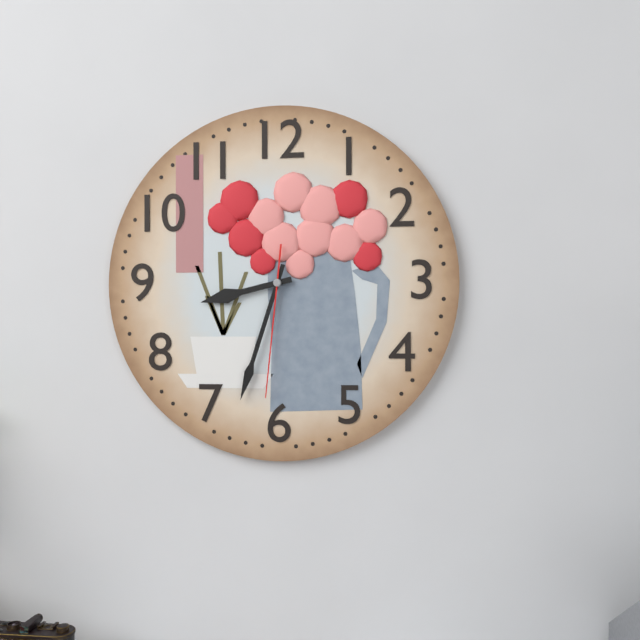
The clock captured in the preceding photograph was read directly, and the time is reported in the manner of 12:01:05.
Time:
8:33:31
